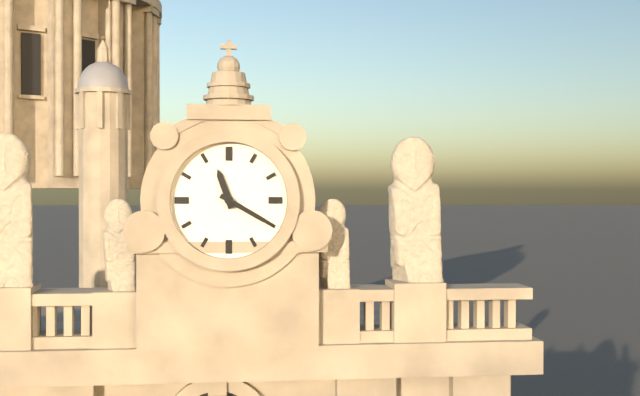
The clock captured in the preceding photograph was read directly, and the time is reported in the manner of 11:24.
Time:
11:20
